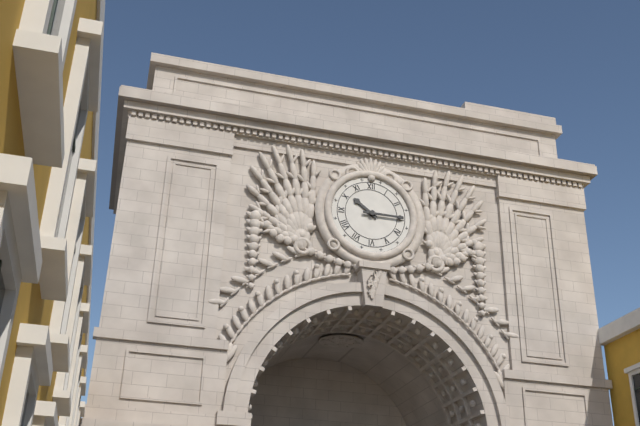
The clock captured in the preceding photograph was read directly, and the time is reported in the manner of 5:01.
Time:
10:15
